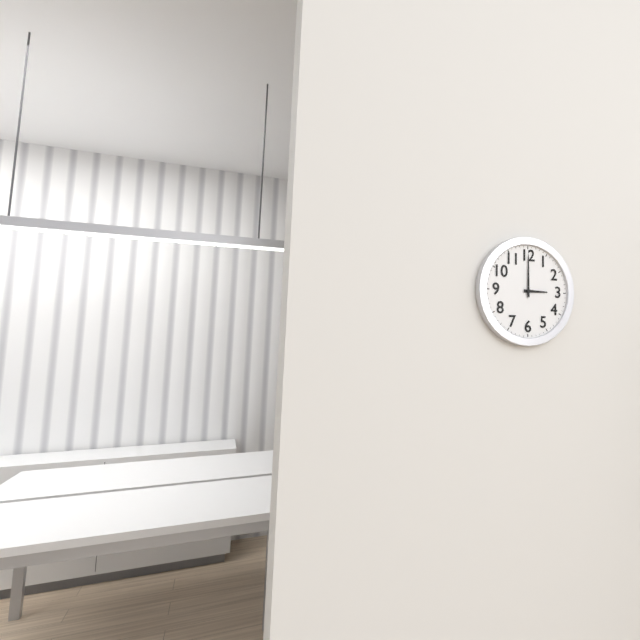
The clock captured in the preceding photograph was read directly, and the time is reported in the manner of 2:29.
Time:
3:00
